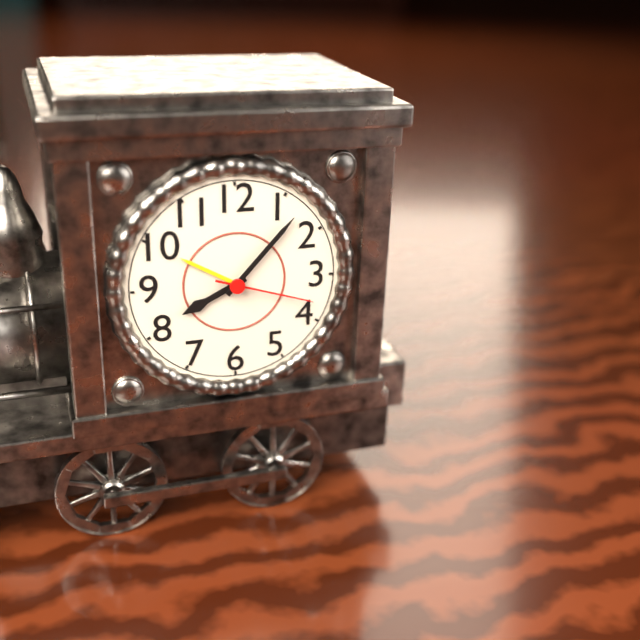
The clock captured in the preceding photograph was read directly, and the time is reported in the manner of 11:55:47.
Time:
8:07:18
